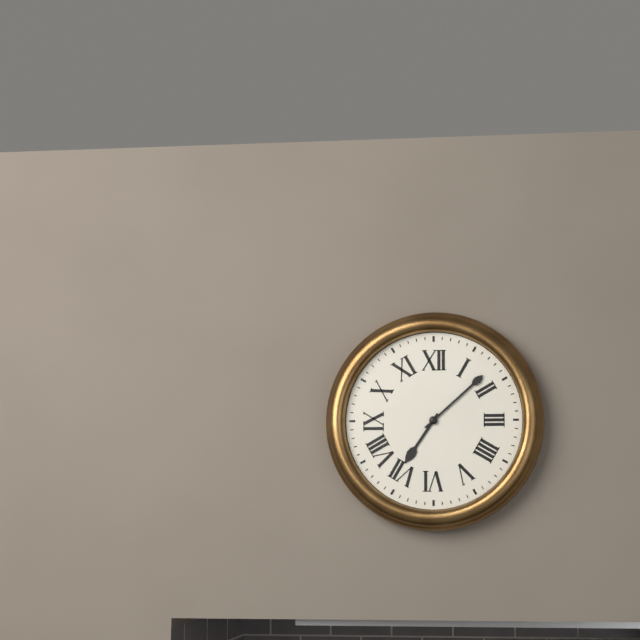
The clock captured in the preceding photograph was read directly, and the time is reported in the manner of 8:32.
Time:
7:08
